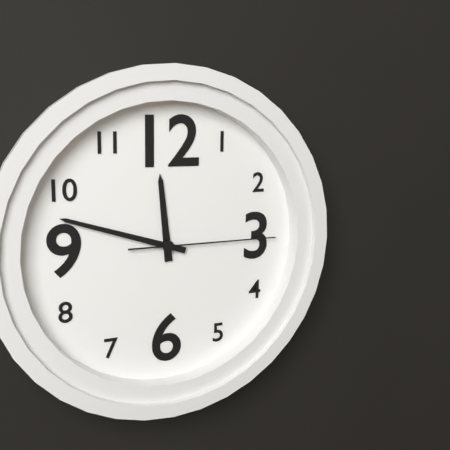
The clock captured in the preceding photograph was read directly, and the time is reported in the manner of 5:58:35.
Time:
11:48:15
